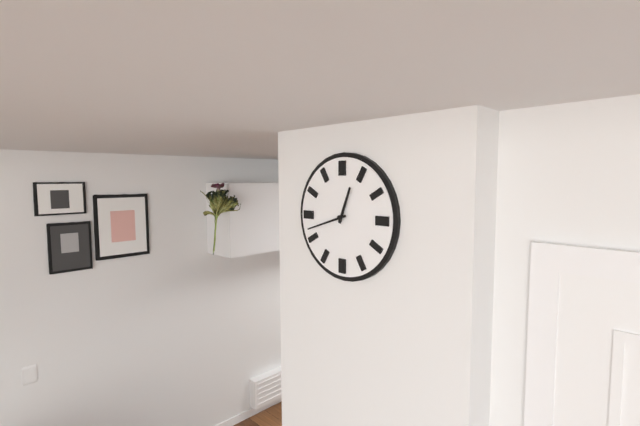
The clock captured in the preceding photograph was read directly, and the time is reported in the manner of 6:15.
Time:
12:42
